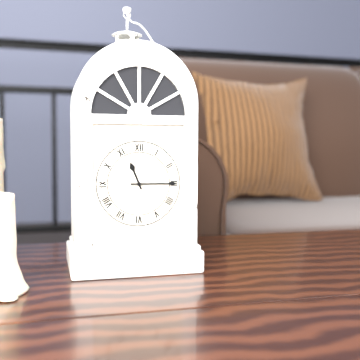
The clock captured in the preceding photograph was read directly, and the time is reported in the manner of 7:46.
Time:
11:15
